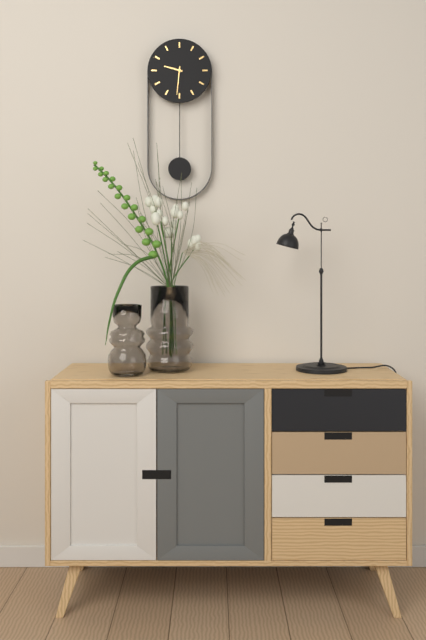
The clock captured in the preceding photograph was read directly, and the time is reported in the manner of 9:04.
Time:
9:31
